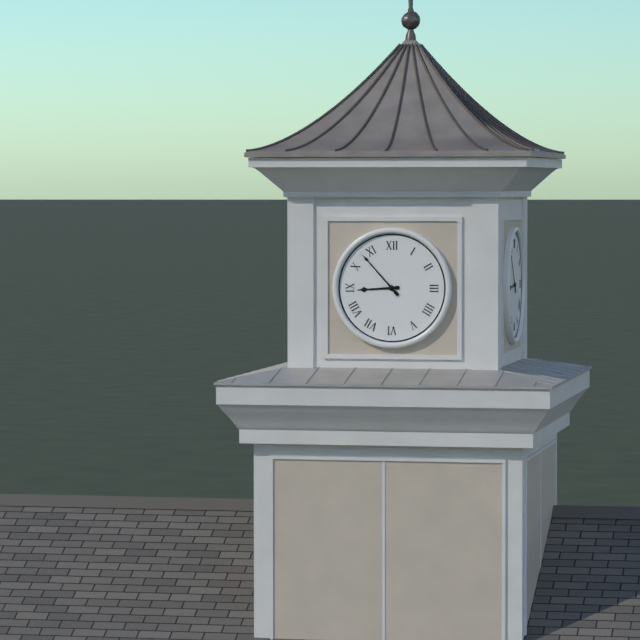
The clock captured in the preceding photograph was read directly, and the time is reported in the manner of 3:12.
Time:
8:53
